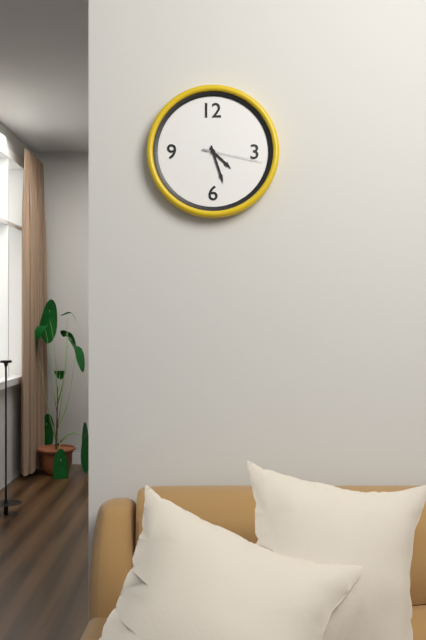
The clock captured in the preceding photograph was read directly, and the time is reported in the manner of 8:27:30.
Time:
4:27:17
